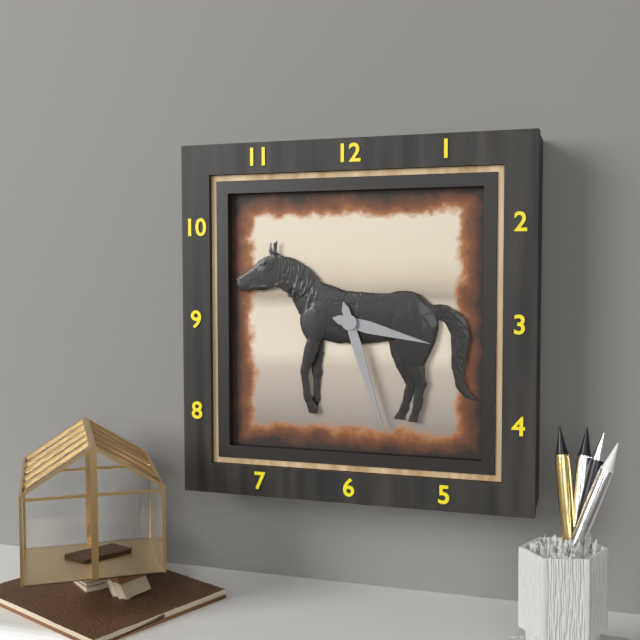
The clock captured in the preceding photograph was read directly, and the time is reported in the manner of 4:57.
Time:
3:27
